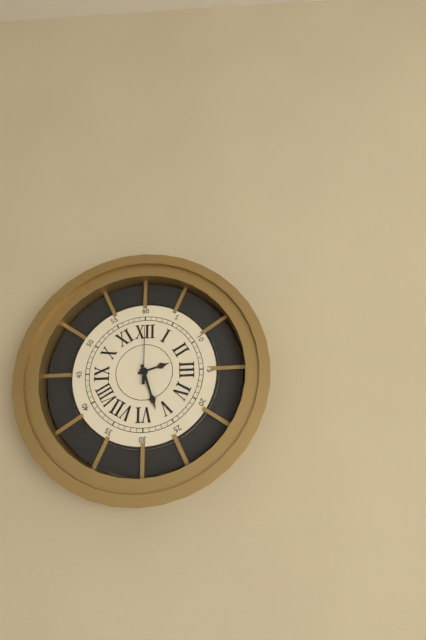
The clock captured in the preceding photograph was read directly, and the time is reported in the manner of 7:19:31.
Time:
2:27:00
